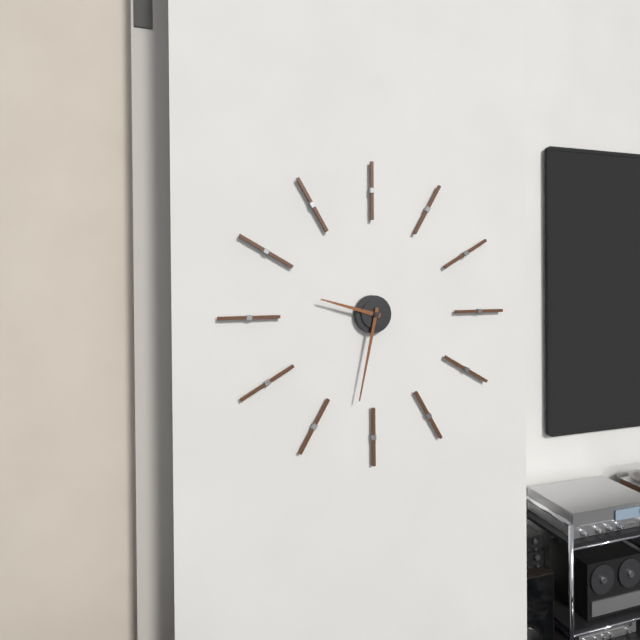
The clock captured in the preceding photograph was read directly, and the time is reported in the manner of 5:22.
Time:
9:32
